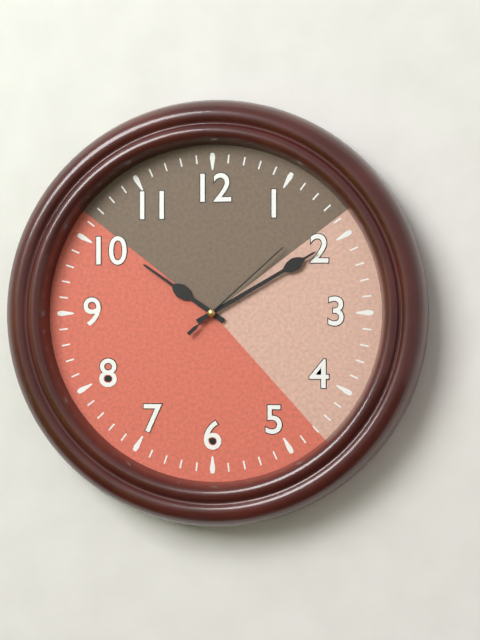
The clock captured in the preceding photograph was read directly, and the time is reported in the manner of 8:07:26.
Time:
10:10:08
